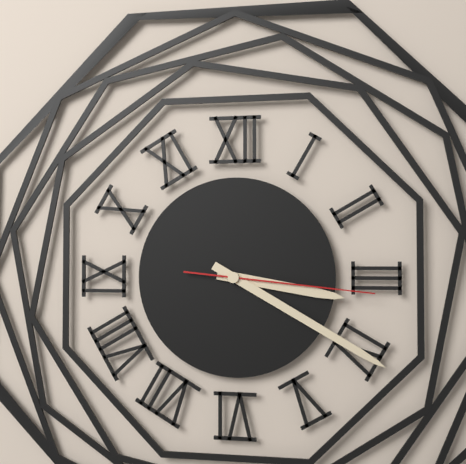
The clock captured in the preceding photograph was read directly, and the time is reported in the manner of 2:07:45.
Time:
3:20:16
